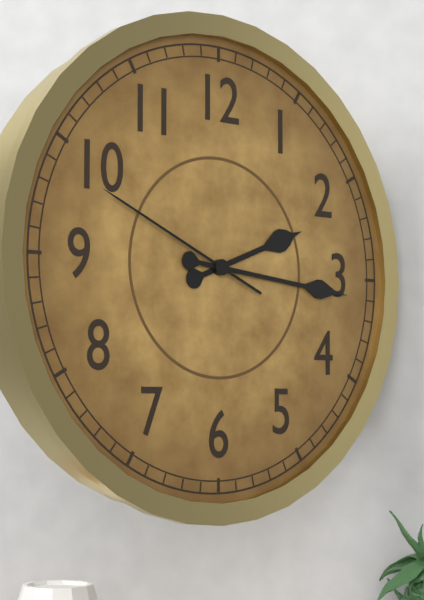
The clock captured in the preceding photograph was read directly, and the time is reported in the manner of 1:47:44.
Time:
2:16:49
